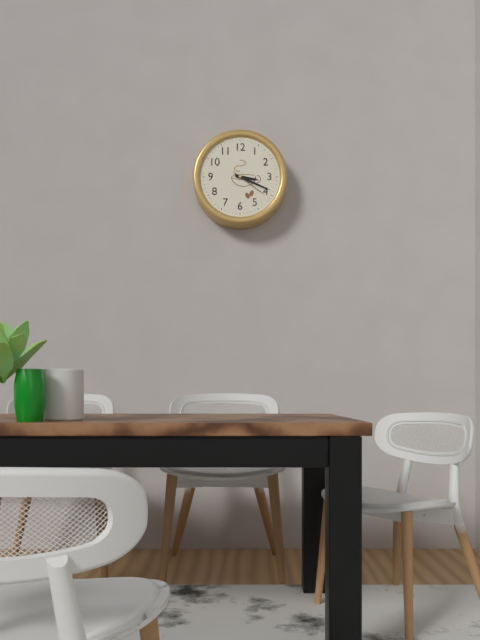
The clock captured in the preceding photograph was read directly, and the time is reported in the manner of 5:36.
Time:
3:19
